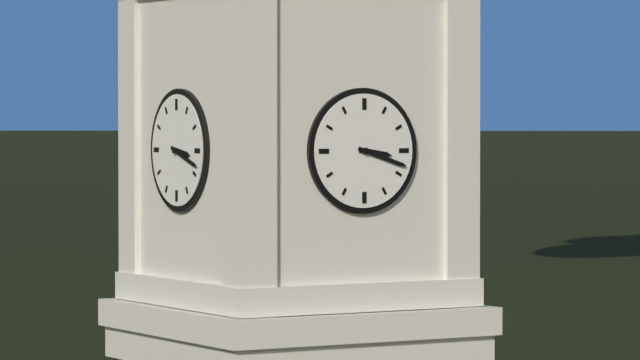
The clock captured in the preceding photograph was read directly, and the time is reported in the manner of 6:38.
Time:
3:18
